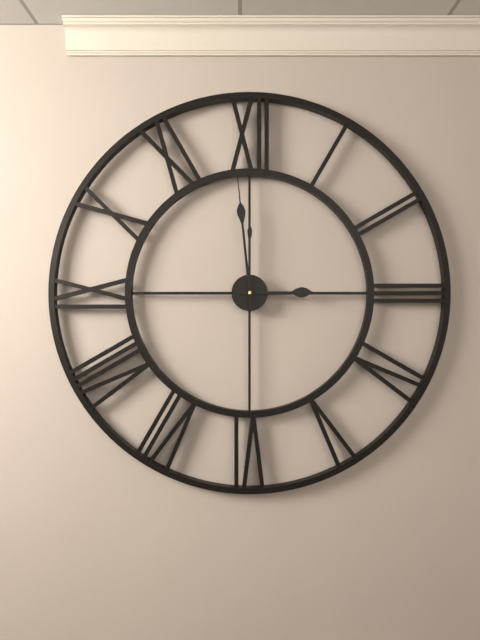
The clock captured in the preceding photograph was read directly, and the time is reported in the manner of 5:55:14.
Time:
2:59:00
